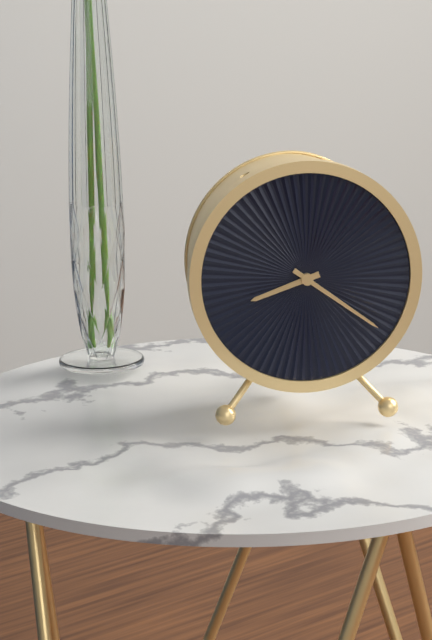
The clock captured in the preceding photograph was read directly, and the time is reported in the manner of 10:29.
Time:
8:21
